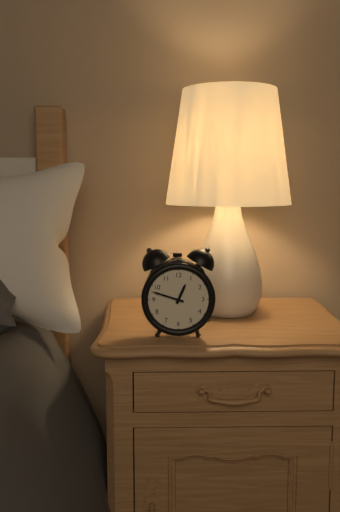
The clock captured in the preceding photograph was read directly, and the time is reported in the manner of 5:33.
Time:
12:48
